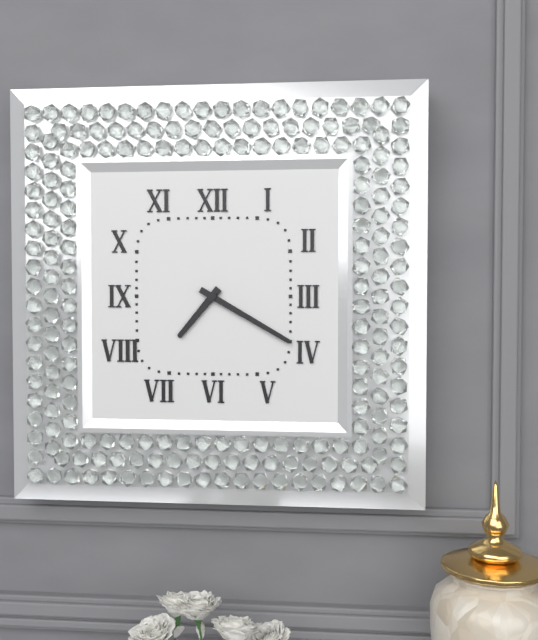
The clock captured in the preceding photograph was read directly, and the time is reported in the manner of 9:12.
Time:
7:20
